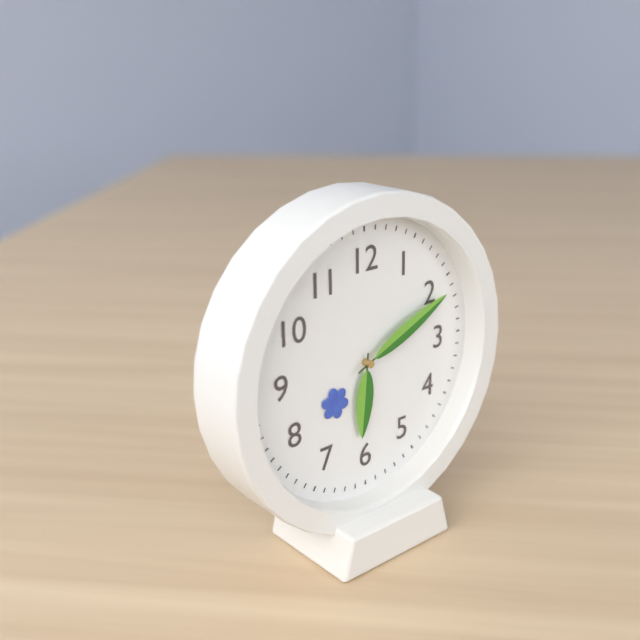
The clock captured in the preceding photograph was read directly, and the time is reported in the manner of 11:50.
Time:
6:11
